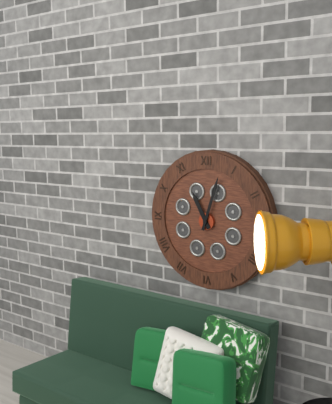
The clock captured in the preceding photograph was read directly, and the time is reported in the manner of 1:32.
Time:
11:03
